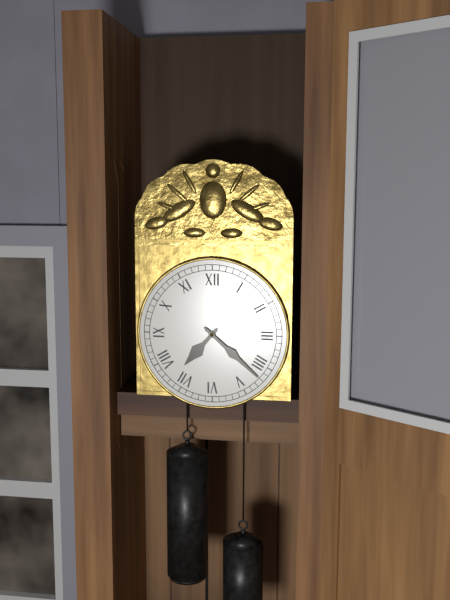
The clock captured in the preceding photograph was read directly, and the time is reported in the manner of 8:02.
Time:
7:22
